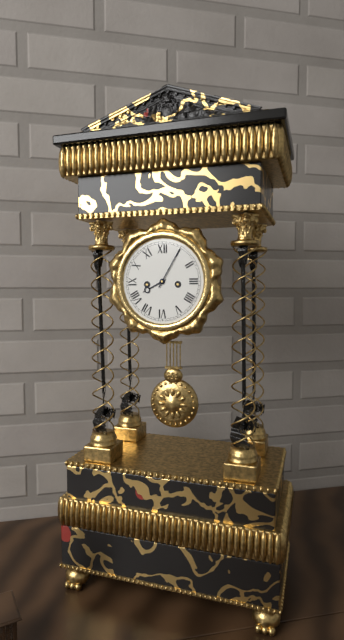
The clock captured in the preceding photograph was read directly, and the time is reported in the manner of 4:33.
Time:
8:05
